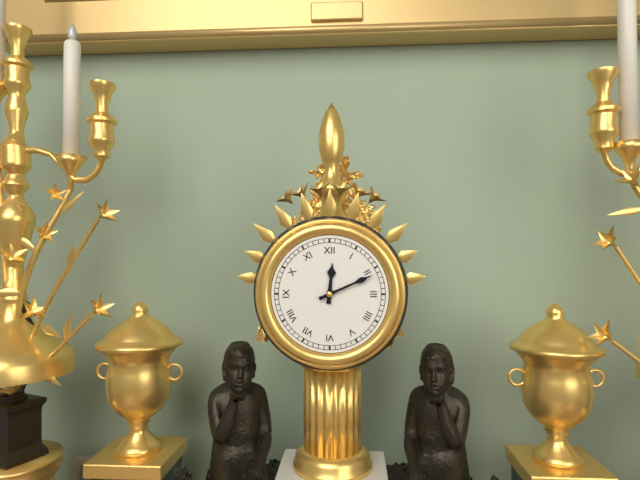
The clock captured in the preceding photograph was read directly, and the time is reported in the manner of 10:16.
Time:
12:11
